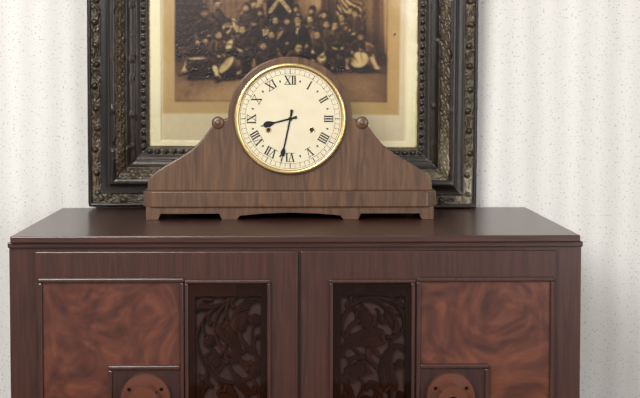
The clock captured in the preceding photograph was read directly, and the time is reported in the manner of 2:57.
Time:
8:32
